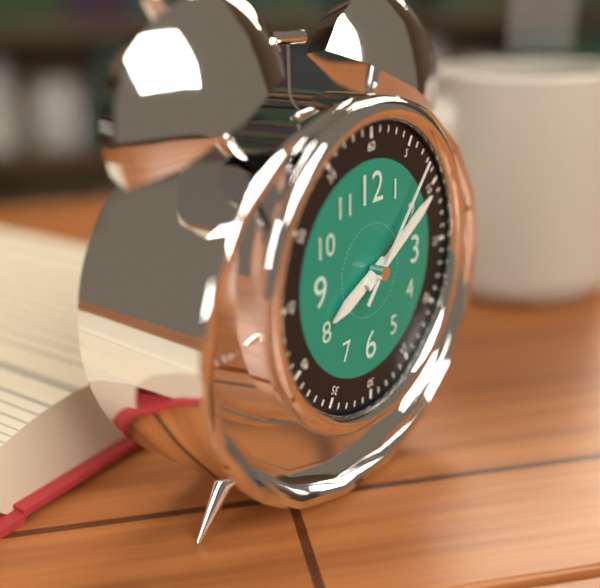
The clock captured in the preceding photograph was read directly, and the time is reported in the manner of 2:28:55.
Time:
8:10:07
